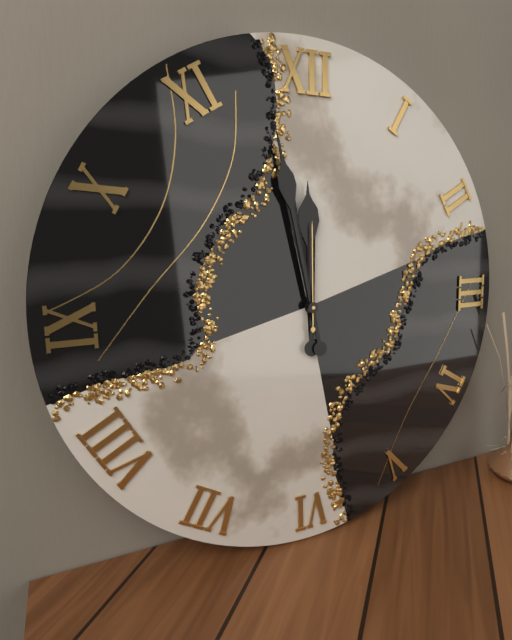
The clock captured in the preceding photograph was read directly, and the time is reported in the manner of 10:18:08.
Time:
11:58:00
